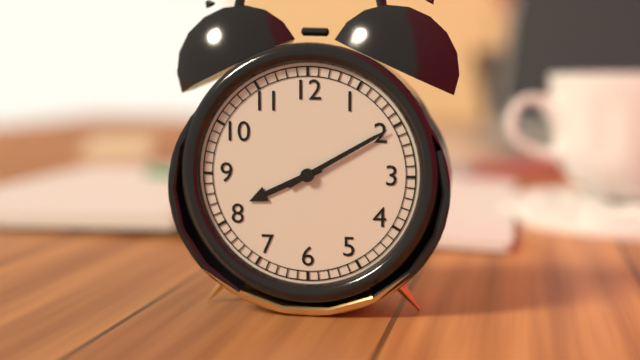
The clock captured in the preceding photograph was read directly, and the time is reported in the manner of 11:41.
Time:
8:10
